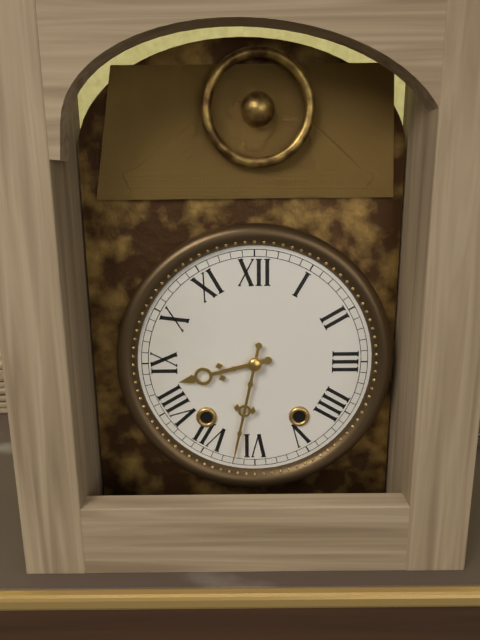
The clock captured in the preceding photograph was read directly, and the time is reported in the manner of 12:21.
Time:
8:32
